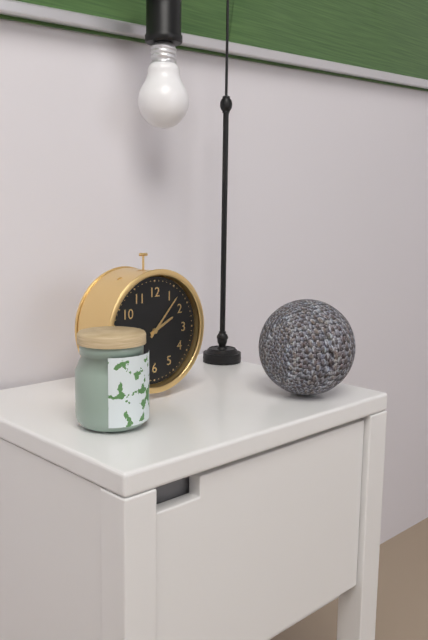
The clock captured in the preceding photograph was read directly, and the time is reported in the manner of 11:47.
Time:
2:07
